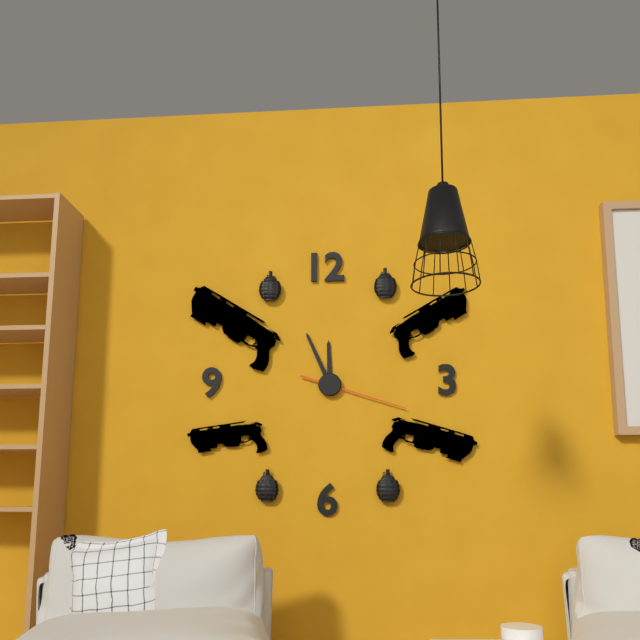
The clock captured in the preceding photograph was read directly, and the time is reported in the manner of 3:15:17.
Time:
11:56:18
